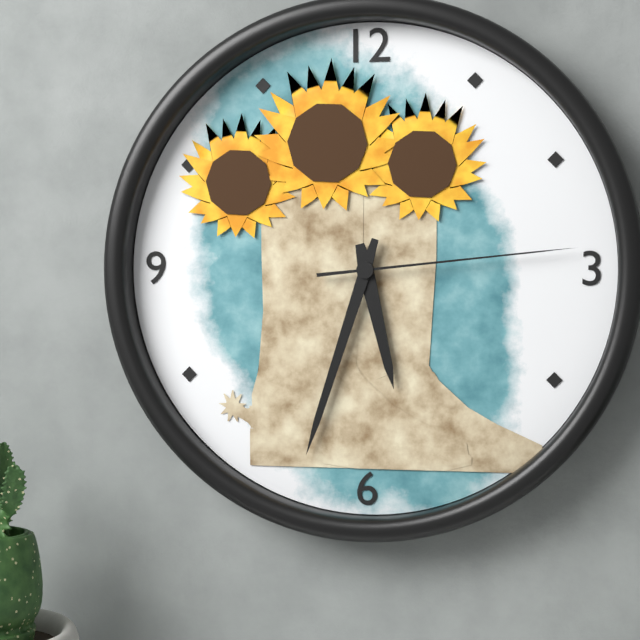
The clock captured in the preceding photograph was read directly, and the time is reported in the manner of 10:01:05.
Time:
5:33:14
